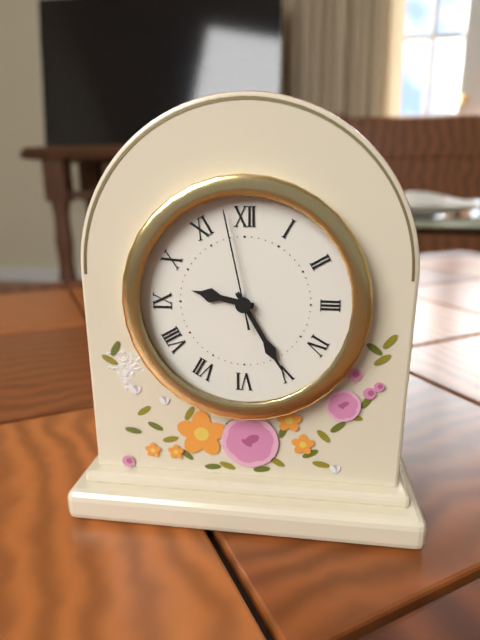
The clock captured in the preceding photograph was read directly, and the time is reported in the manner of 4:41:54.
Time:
9:25:58
